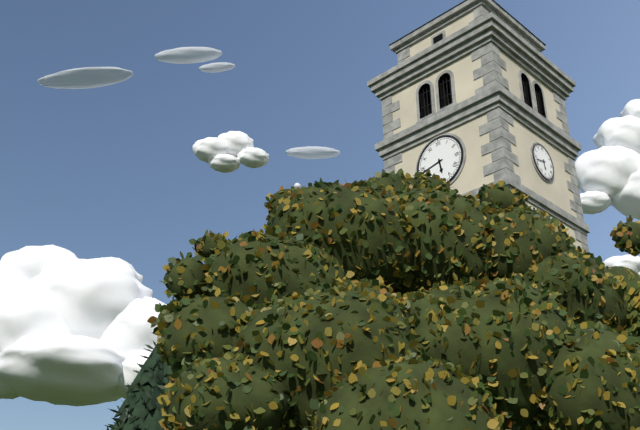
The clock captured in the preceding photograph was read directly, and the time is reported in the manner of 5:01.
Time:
5:43
